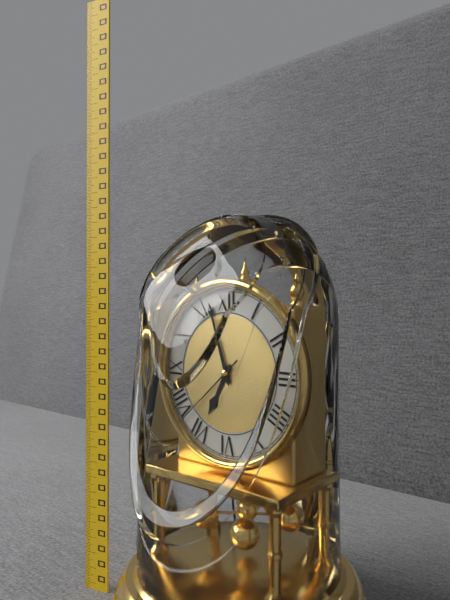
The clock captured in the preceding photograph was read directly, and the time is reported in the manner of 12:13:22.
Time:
6:57:38
